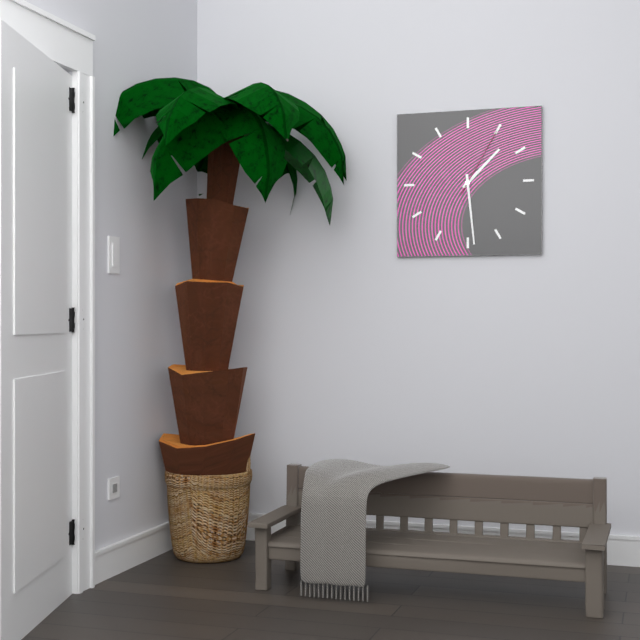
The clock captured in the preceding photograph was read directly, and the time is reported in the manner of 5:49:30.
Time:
1:29:05
